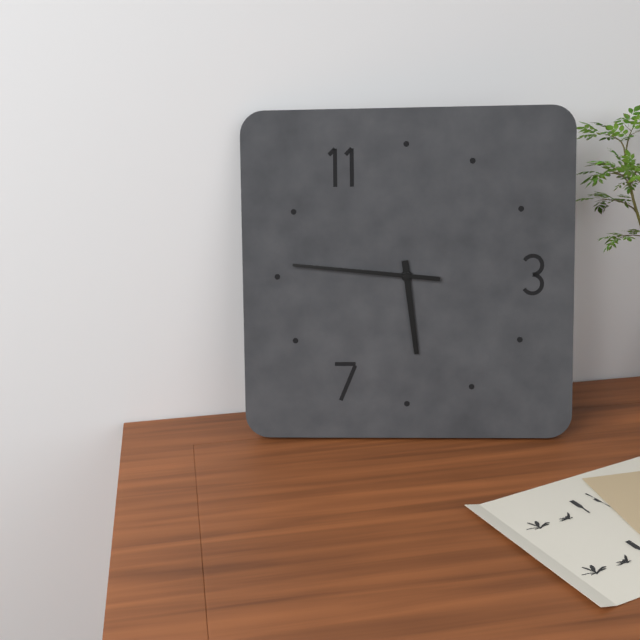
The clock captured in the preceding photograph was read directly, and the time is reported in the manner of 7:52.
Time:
5:46
